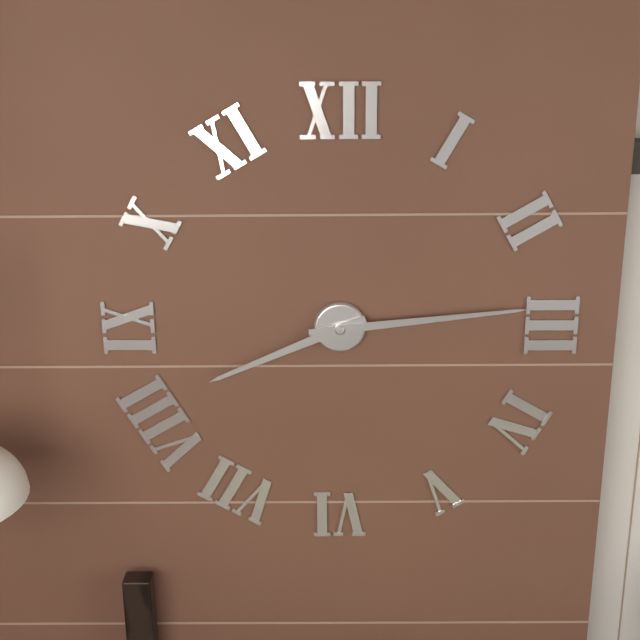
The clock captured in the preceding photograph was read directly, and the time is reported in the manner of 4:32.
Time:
8:14
